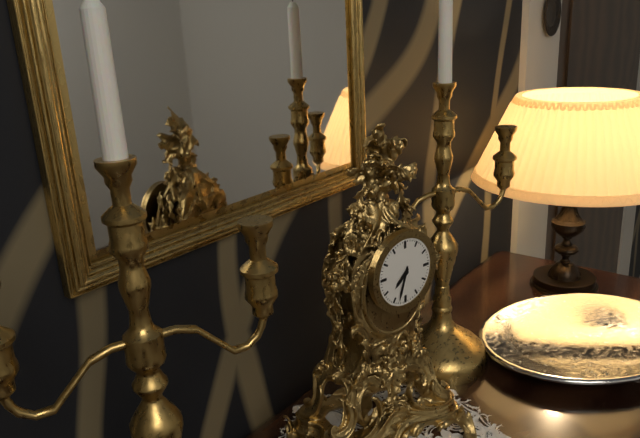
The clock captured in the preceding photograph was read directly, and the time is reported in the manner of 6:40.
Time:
7:33
